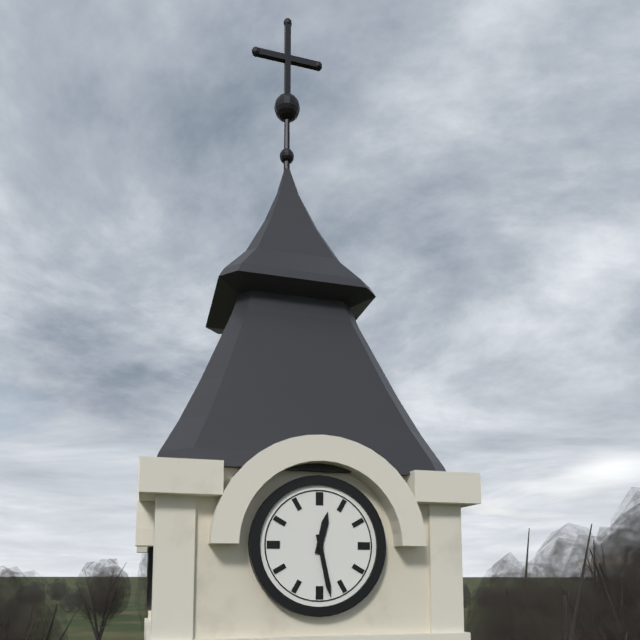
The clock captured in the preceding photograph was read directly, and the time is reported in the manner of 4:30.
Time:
12:28
